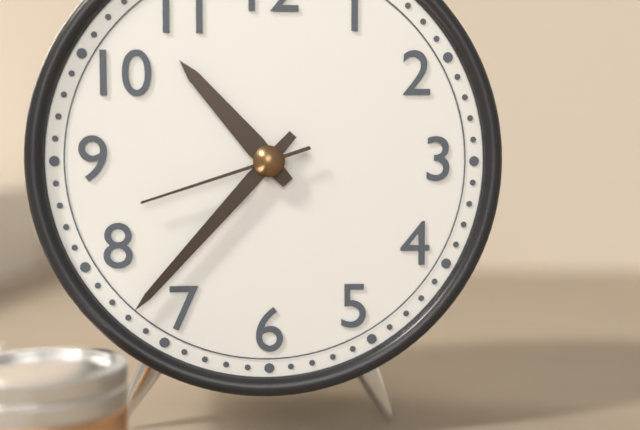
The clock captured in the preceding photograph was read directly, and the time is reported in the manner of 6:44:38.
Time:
10:37:42
